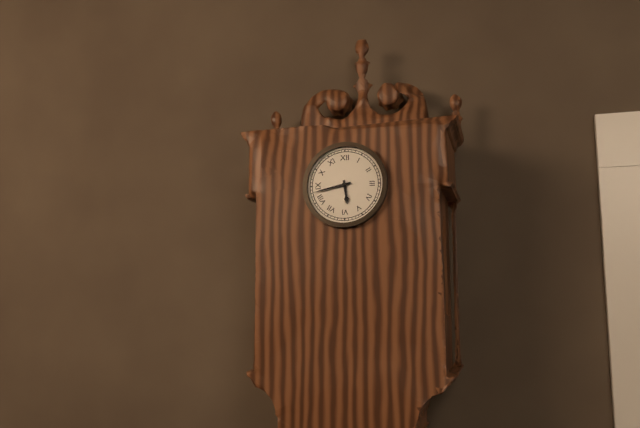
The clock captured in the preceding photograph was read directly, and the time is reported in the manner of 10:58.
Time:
5:43
